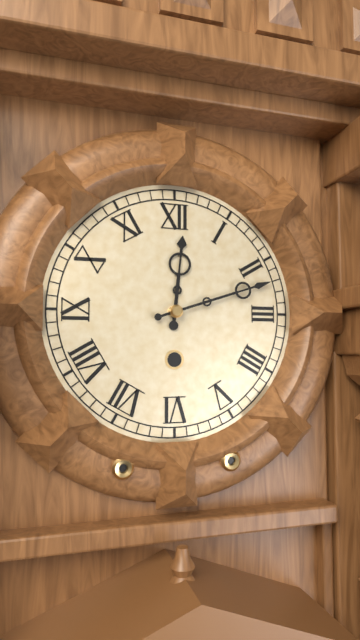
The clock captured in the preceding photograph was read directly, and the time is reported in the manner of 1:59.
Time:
12:12
